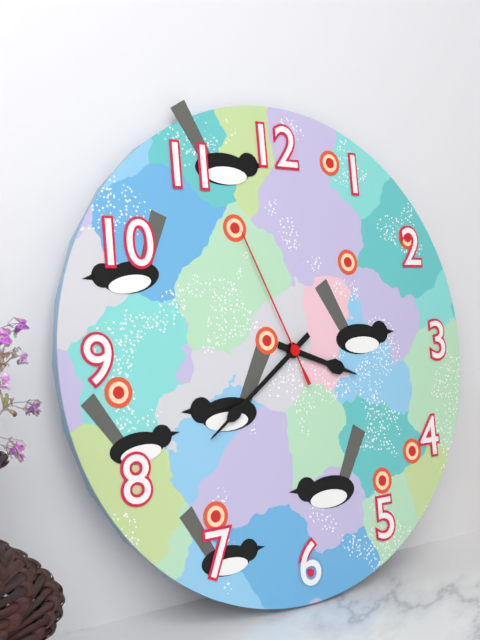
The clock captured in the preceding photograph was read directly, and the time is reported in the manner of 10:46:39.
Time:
3:39:56
